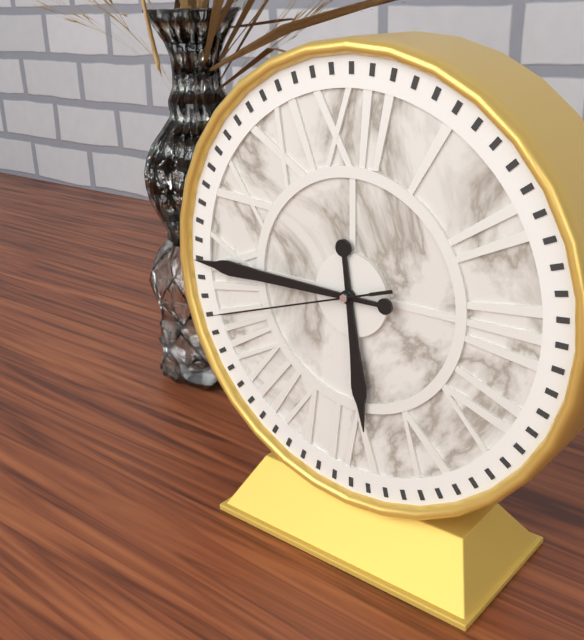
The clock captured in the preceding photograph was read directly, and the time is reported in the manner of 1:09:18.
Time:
5:45:42
